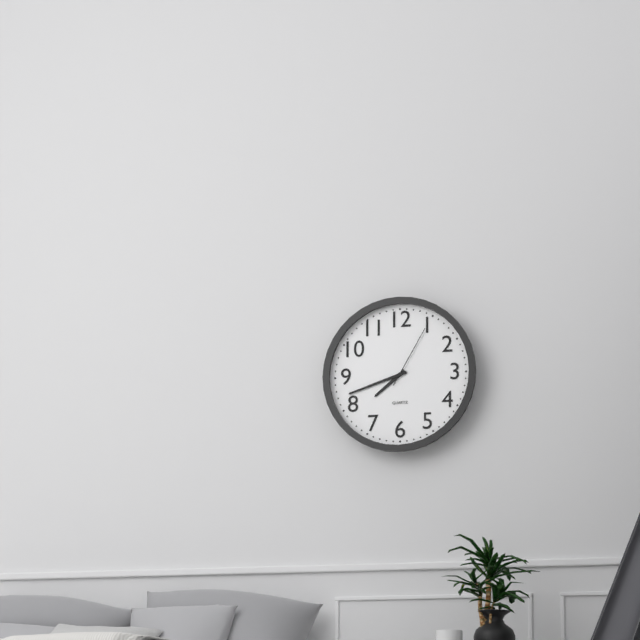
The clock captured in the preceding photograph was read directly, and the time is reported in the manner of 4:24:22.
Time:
7:42:05
